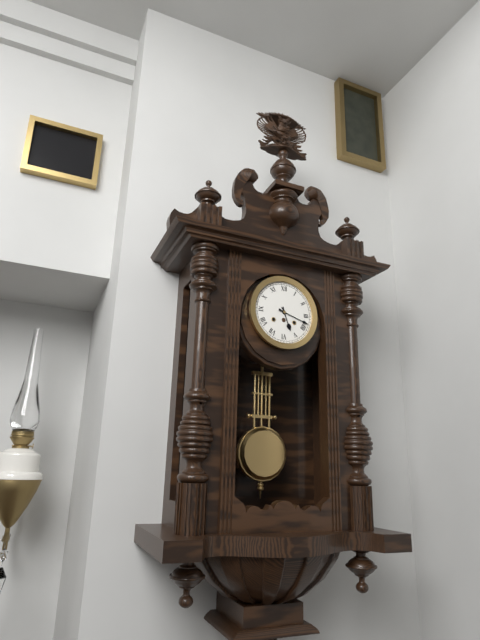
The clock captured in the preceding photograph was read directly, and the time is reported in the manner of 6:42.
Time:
5:18
